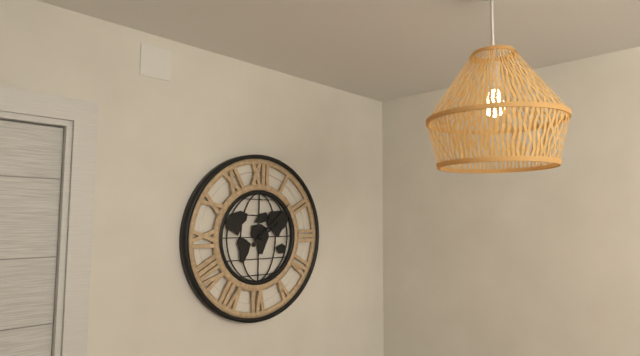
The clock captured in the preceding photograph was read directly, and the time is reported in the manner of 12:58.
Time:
2:08
